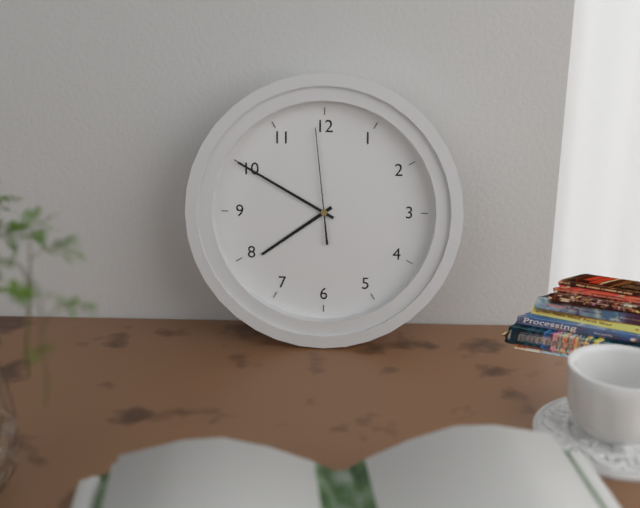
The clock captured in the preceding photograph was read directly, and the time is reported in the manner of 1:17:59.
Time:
7:50:59
